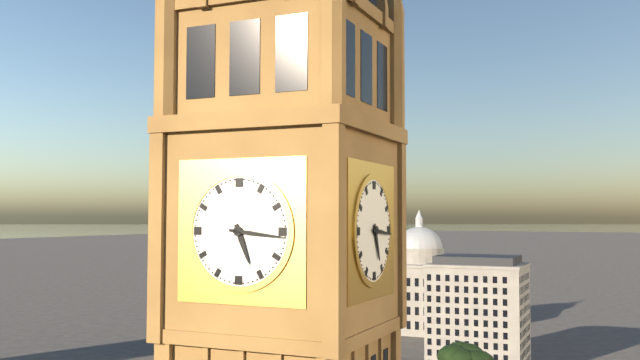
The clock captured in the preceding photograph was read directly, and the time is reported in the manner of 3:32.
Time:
5:16
